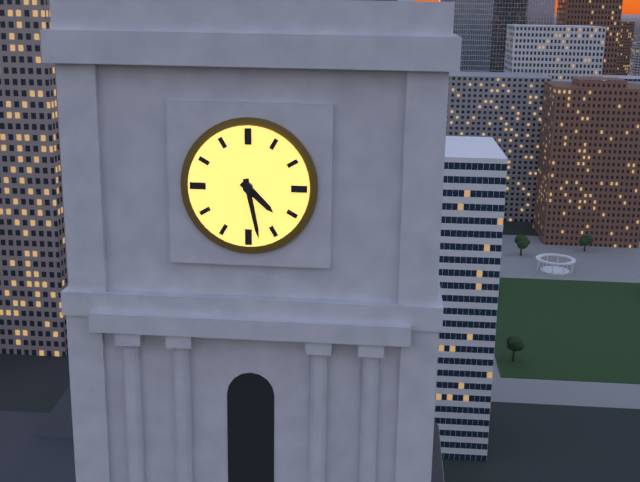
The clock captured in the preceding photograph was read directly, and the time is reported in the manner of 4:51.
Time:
4:28
